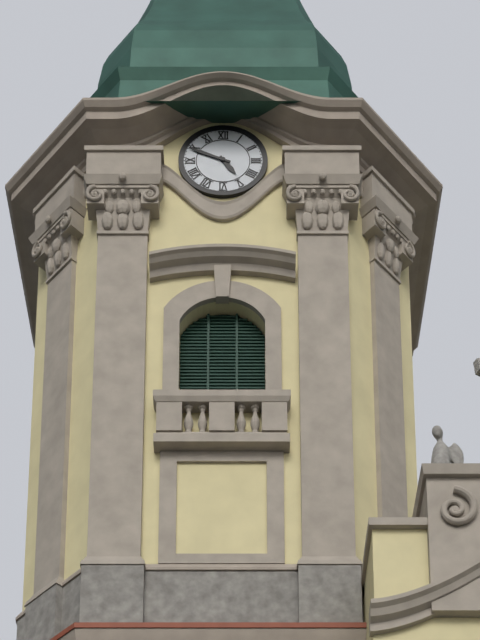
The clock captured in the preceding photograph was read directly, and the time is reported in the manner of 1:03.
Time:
4:49
